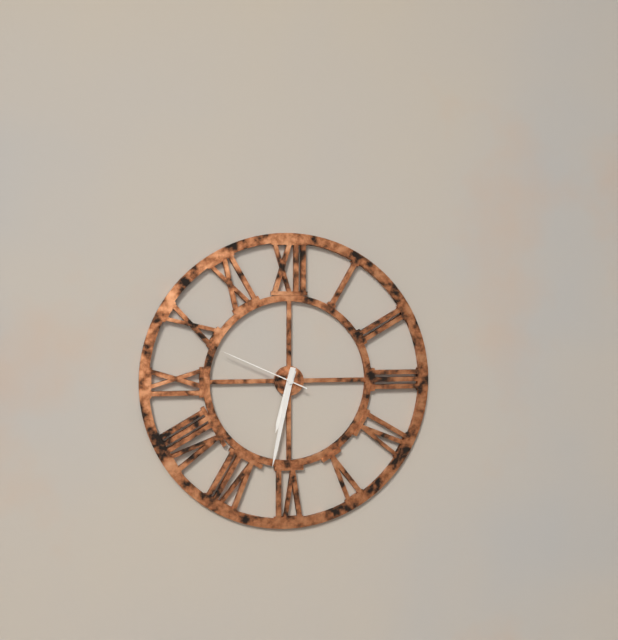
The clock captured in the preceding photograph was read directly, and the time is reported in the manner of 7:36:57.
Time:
6:32:49
